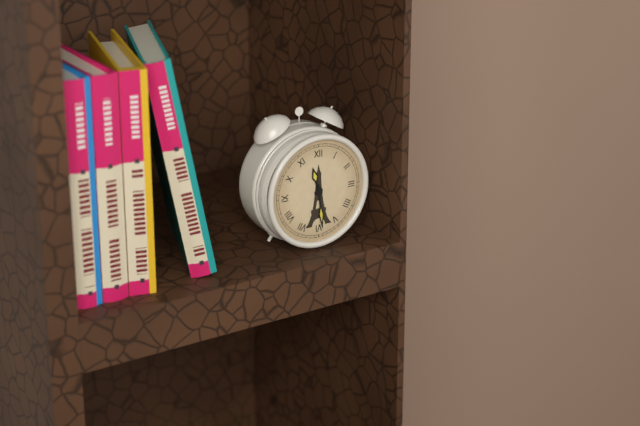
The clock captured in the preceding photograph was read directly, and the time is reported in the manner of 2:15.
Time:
11:29
